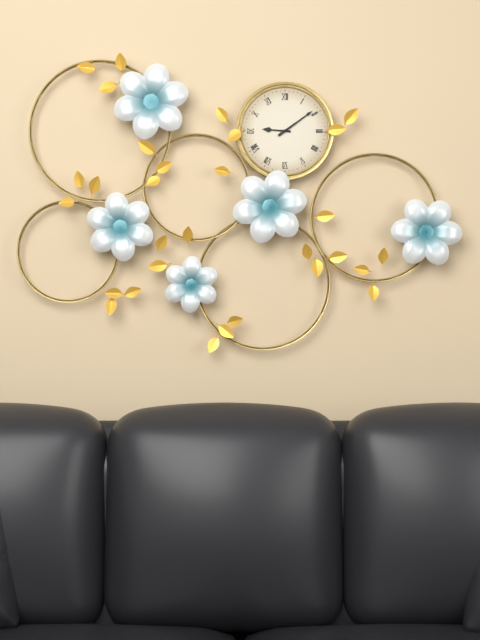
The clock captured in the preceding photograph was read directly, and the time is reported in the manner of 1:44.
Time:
9:09
